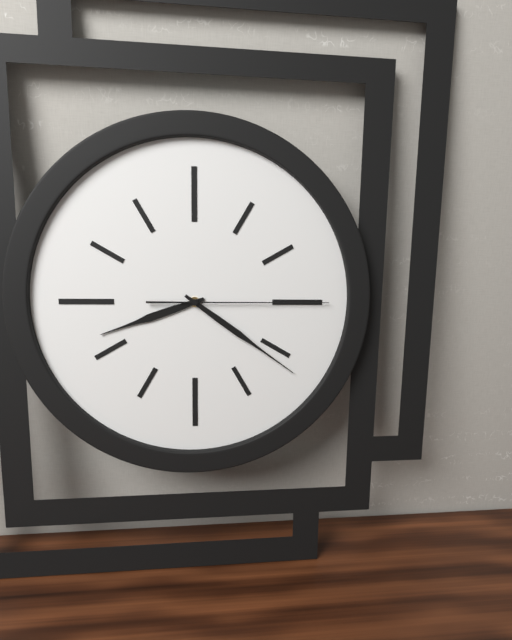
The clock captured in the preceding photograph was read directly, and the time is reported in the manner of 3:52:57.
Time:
8:21:15
